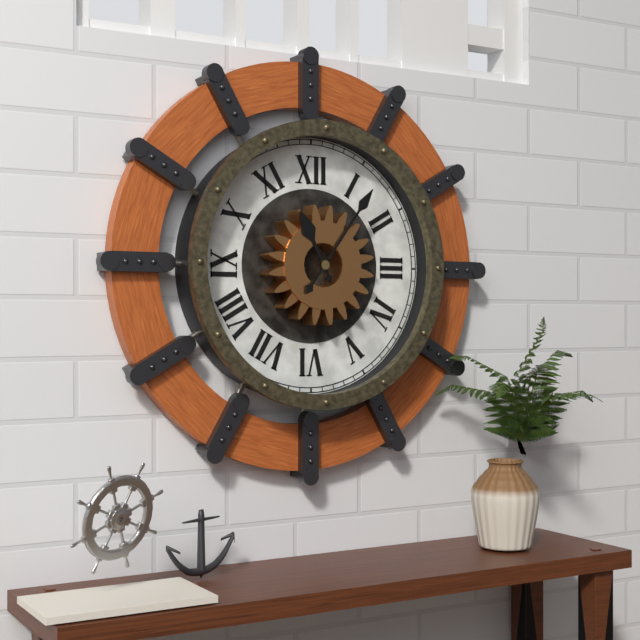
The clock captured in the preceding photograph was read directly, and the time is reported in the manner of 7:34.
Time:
11:06
